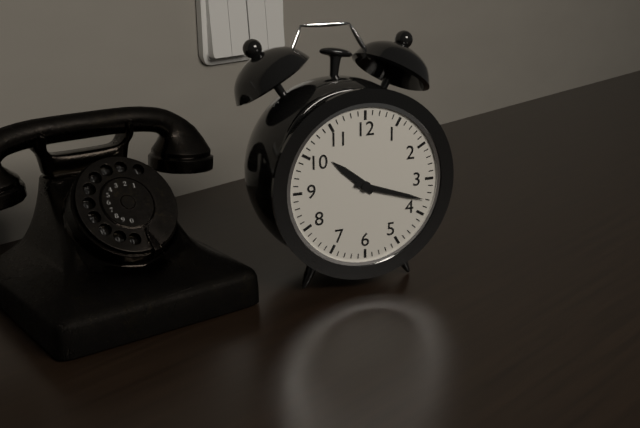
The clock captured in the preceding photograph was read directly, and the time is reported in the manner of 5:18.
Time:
10:18
